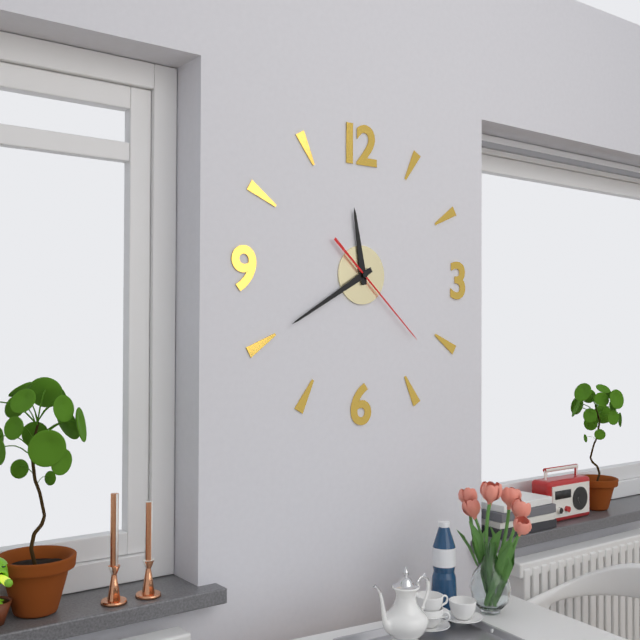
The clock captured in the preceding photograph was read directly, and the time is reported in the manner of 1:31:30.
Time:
11:40:22
